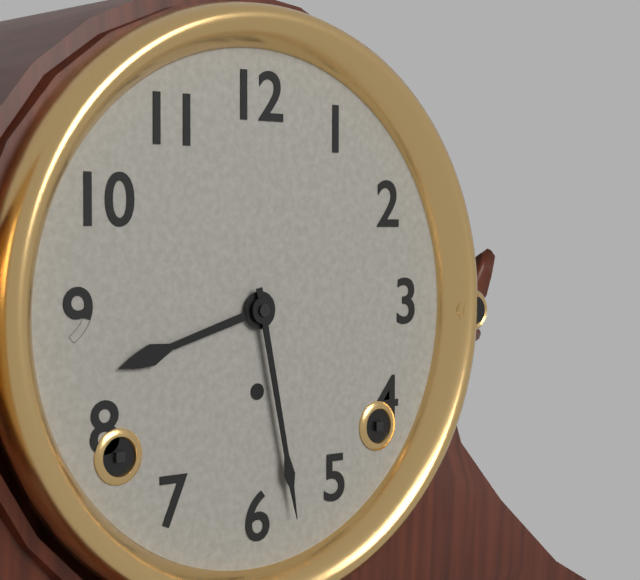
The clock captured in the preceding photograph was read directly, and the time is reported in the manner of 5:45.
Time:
8:28
